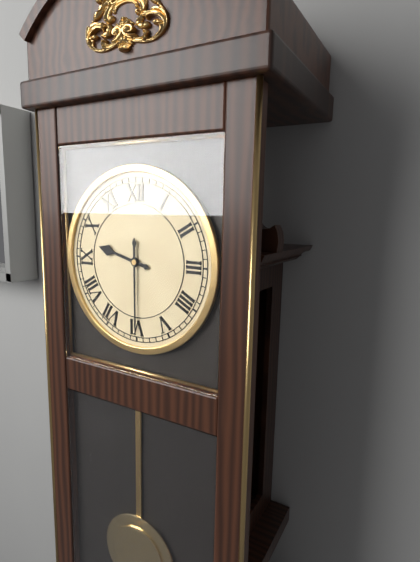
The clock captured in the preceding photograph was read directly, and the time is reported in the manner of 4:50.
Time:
9:30
